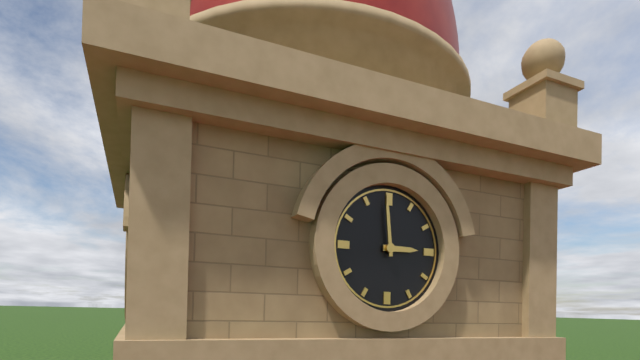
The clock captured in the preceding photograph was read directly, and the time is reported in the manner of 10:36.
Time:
2:59
